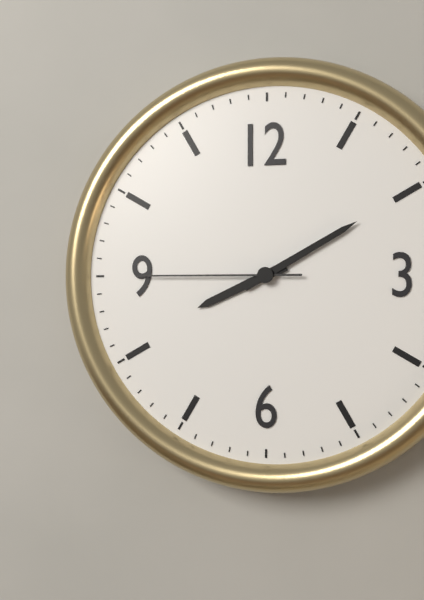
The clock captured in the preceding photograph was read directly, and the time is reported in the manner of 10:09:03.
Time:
8:10:45
